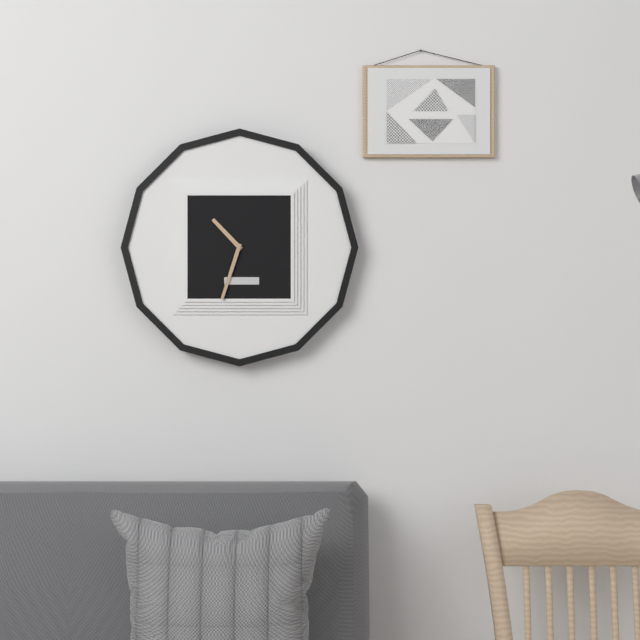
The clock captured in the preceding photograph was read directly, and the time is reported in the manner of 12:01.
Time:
10:33
